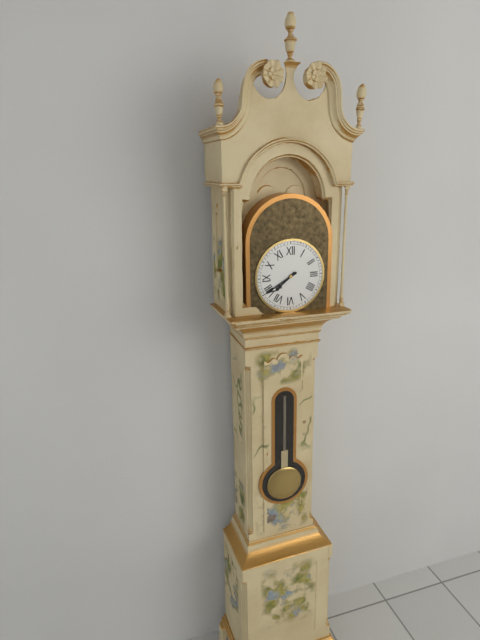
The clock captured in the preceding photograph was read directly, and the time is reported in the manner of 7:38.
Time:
7:40
